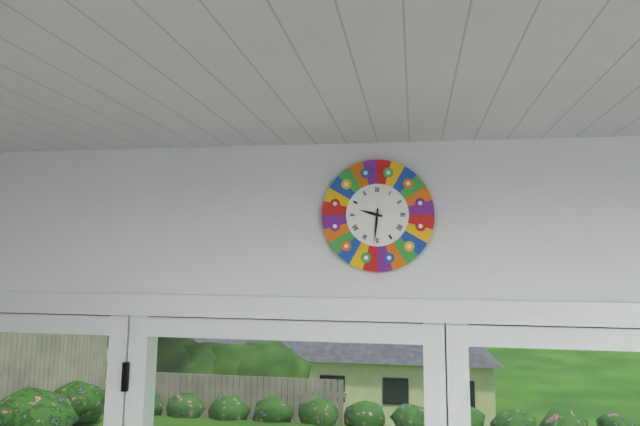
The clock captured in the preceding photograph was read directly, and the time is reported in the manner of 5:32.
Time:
9:31
